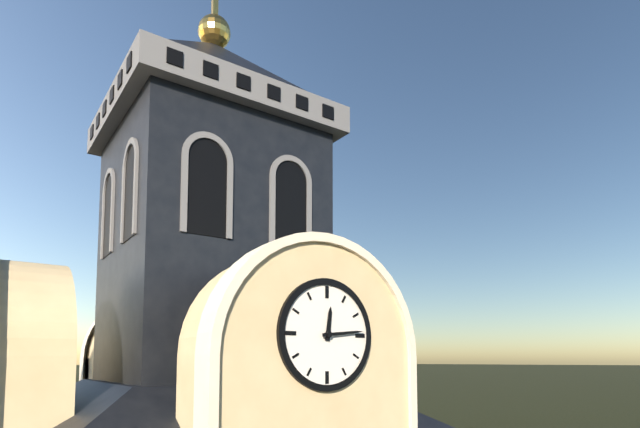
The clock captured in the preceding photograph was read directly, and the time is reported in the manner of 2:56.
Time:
12:14
